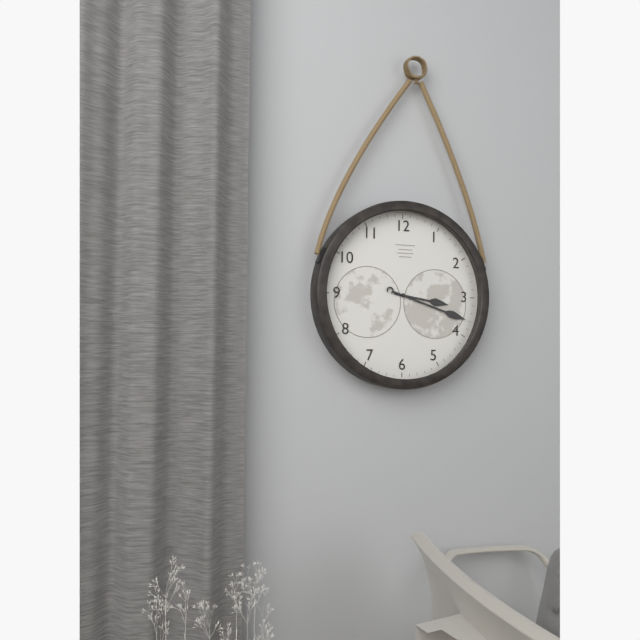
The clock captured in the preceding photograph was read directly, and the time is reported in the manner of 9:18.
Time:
3:18
